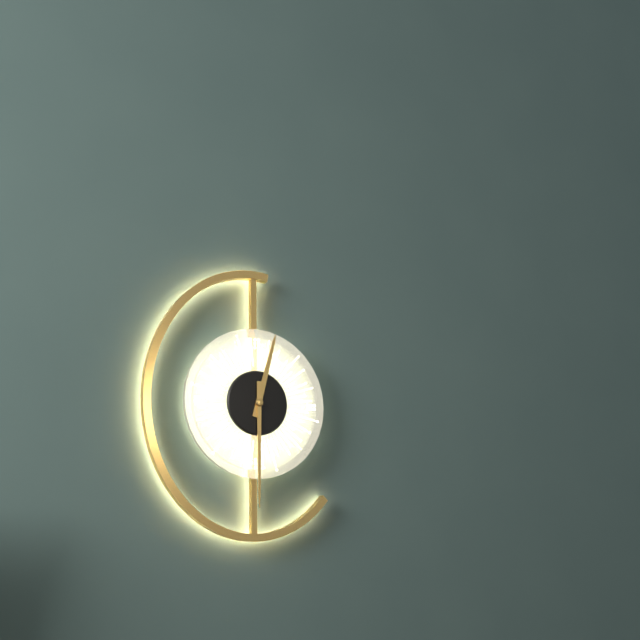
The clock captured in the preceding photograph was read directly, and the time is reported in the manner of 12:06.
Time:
12:30
